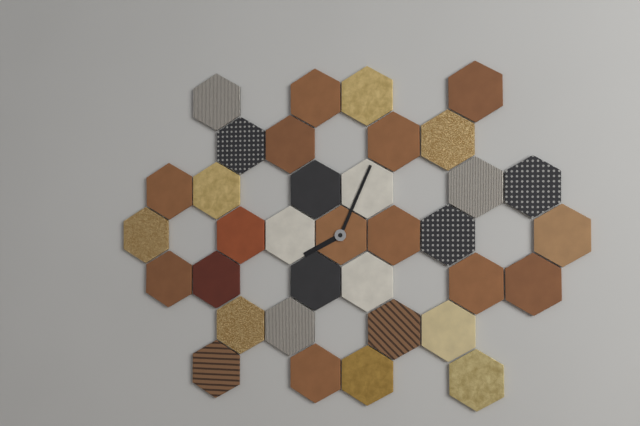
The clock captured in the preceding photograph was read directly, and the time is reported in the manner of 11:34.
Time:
8:04
